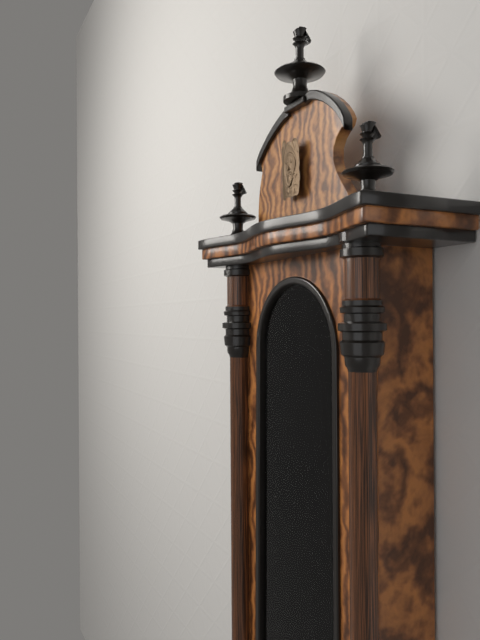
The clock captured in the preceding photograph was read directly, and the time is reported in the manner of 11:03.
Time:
9:02
